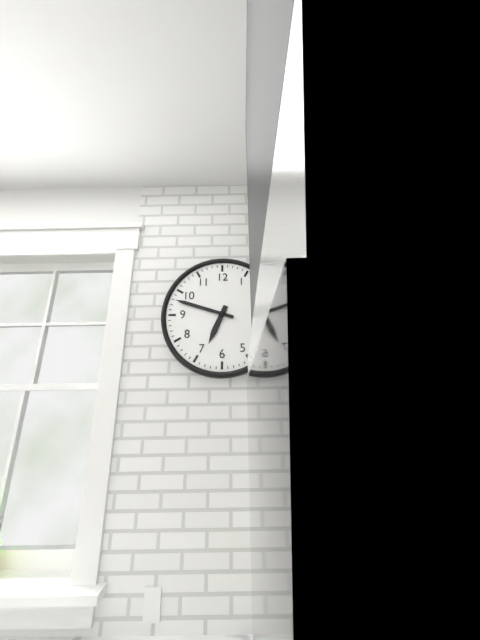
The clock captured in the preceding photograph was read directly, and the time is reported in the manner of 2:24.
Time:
6:48
